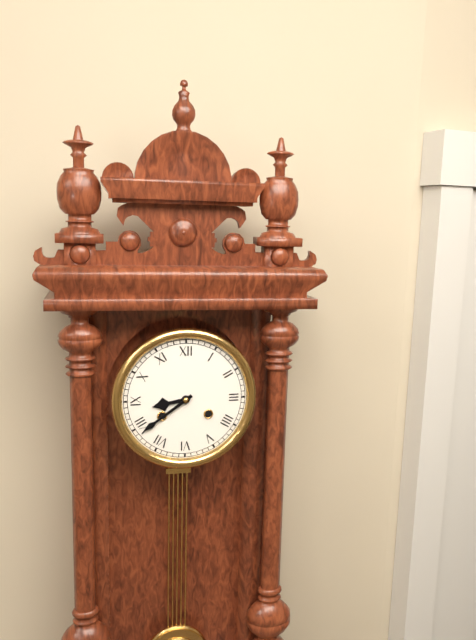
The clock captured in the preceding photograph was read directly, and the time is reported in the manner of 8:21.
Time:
8:39
